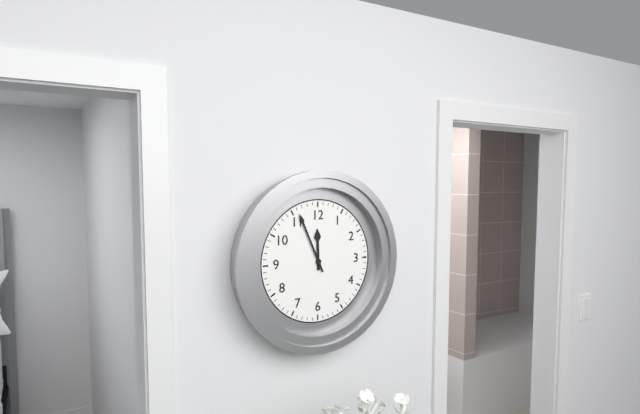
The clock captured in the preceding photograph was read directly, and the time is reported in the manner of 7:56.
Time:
11:56
